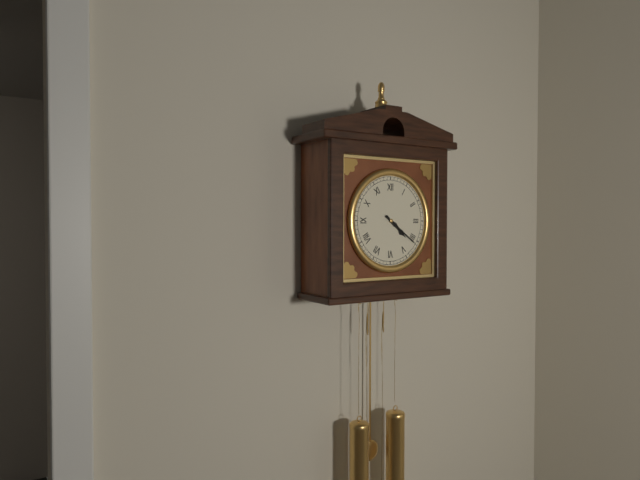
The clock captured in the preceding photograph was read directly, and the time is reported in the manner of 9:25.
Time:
4:21
